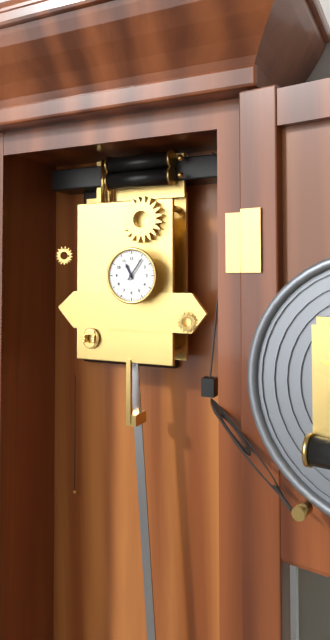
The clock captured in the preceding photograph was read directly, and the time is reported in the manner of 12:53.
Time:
11:06
